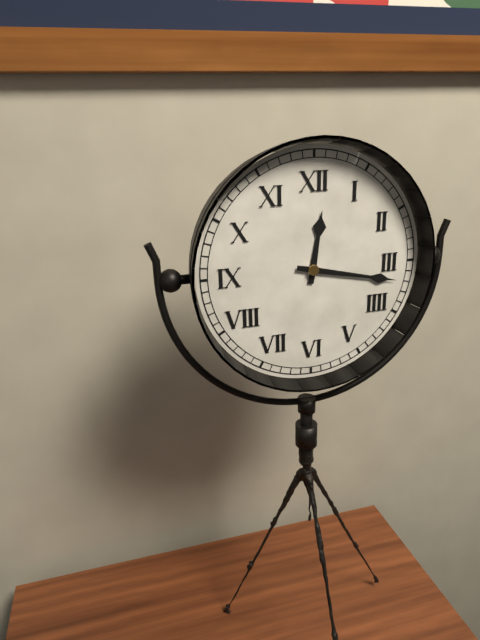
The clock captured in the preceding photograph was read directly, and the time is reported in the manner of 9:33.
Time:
12:17
